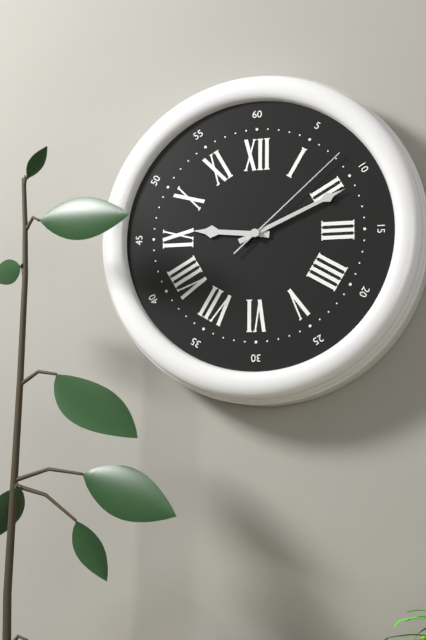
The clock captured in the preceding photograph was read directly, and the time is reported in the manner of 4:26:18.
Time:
9:11:08
